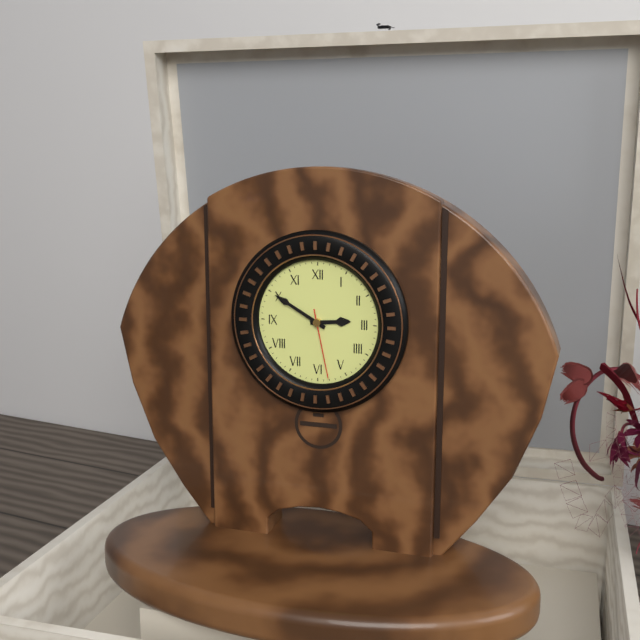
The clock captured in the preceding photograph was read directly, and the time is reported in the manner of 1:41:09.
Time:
2:50:28
